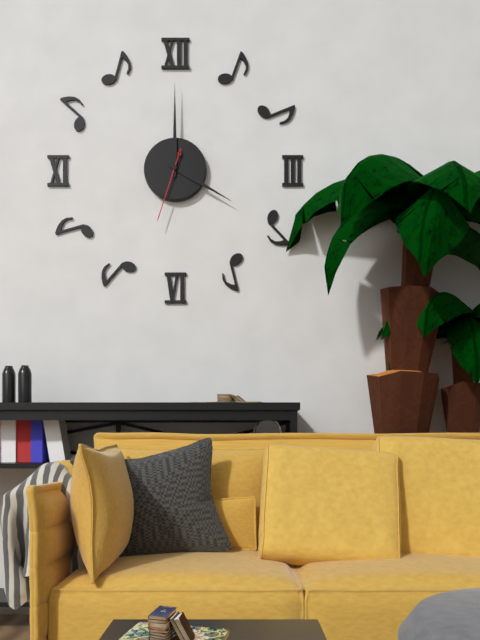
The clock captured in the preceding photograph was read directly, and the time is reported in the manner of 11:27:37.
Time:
4:00:33
